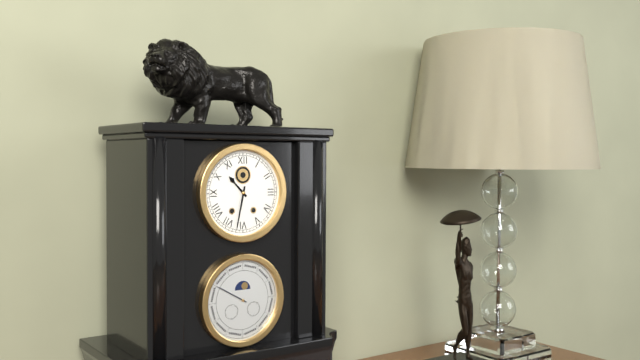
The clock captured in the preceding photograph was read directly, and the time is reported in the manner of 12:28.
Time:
10:32
